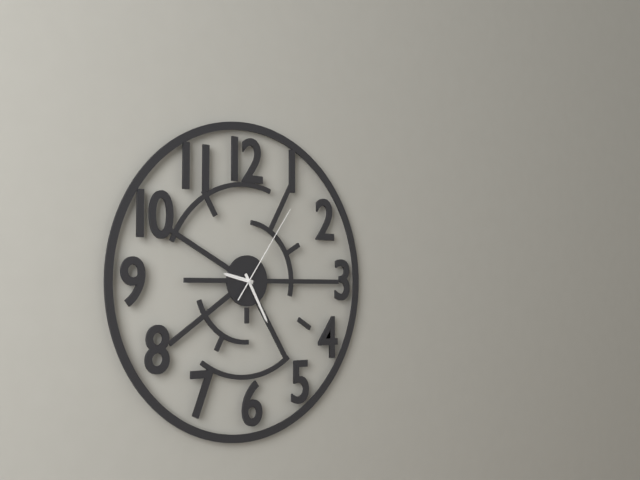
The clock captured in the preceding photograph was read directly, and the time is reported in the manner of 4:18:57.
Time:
9:25:06
